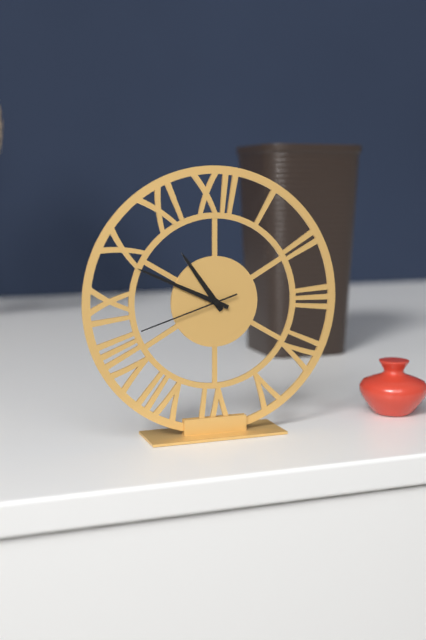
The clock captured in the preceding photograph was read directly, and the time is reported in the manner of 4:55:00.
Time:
10:49:42
